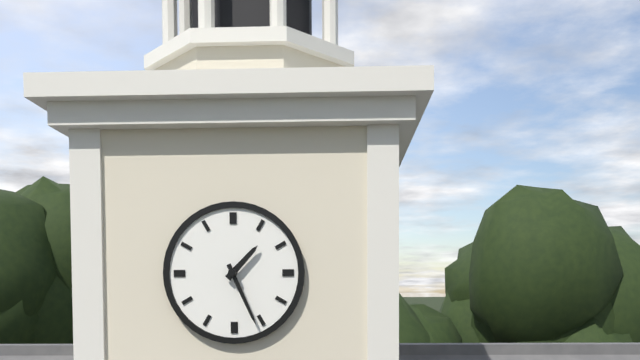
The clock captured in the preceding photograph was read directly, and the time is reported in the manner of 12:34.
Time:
1:26
